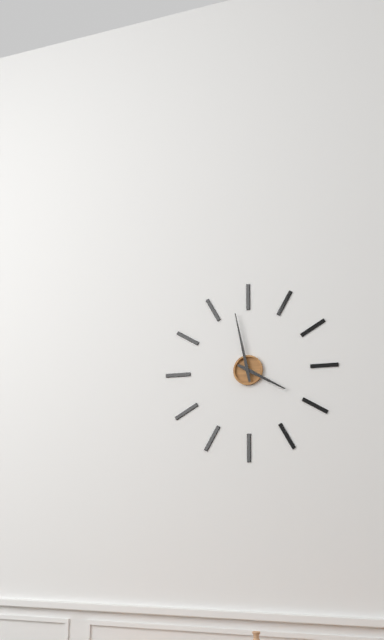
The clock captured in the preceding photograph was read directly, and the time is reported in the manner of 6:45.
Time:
3:58
